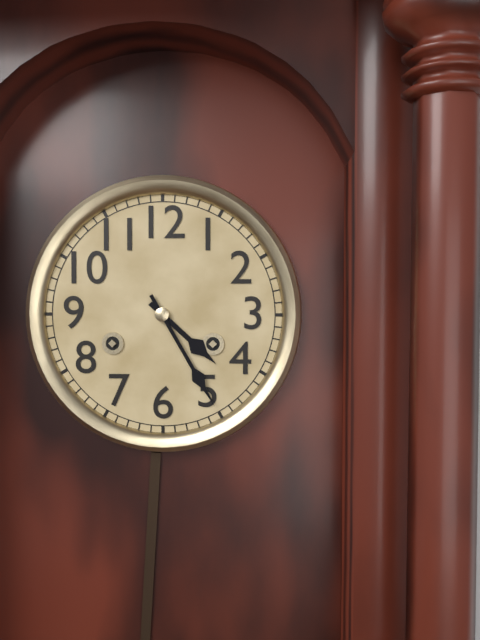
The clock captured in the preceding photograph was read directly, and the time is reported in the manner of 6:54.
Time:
4:25
